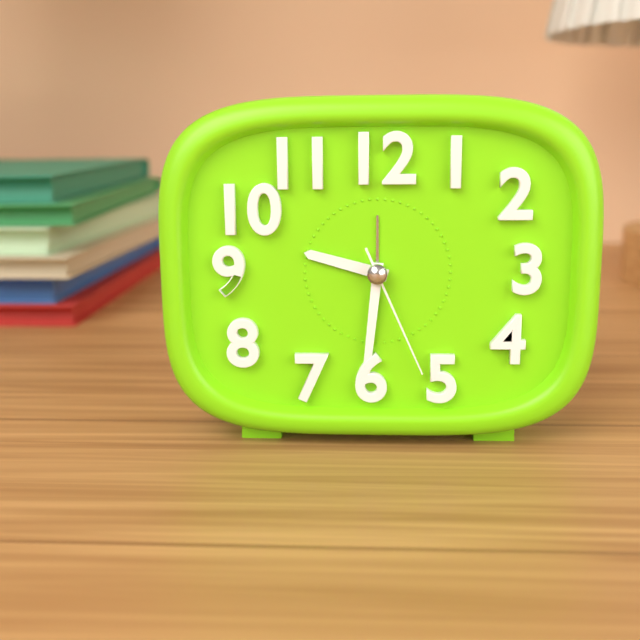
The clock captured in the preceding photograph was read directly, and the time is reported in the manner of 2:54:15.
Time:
9:31:26
